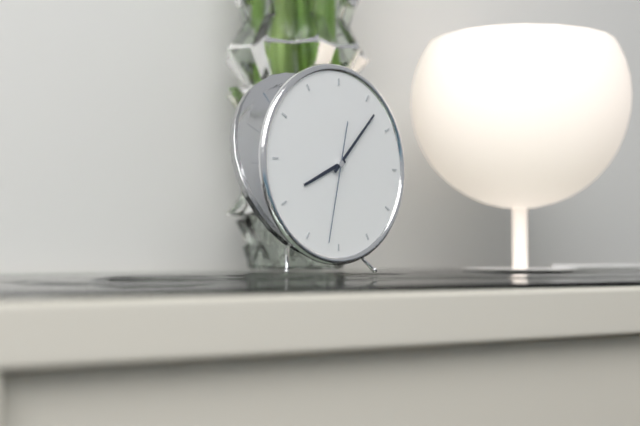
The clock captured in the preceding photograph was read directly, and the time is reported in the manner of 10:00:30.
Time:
8:07:32
